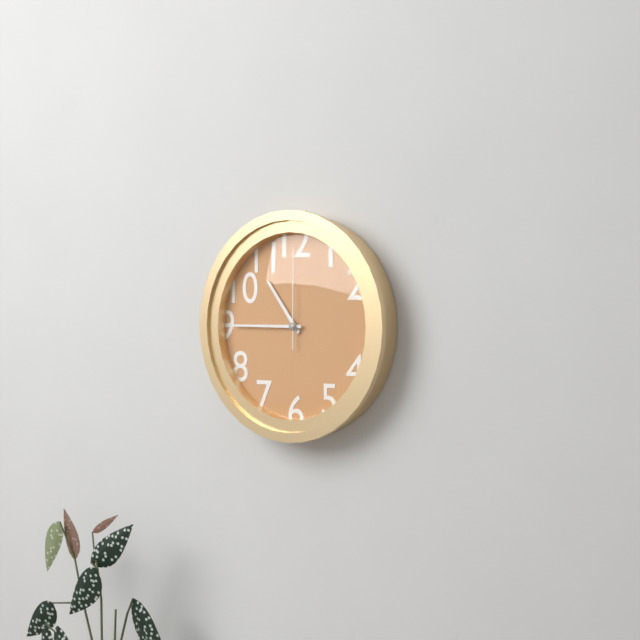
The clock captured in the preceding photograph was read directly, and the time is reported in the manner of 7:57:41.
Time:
10:45:00
